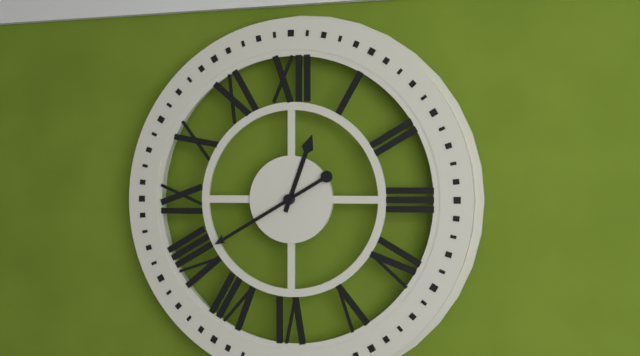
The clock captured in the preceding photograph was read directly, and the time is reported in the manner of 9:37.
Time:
12:40
